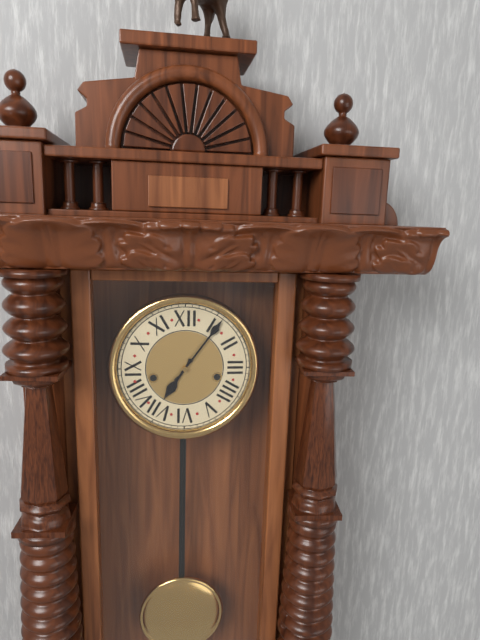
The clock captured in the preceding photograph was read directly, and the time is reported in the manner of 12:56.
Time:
7:06
